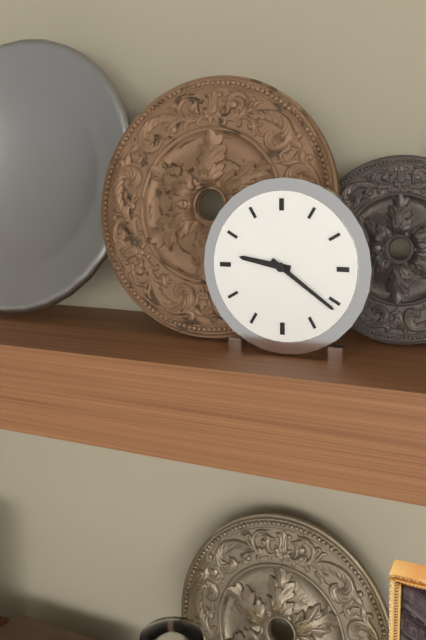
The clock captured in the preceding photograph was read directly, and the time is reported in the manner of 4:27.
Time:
9:21
